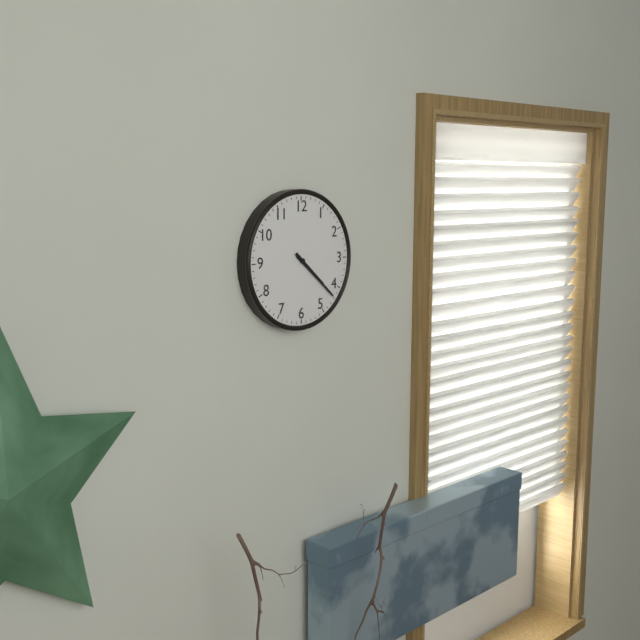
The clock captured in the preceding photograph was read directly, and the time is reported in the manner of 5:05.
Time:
4:22
